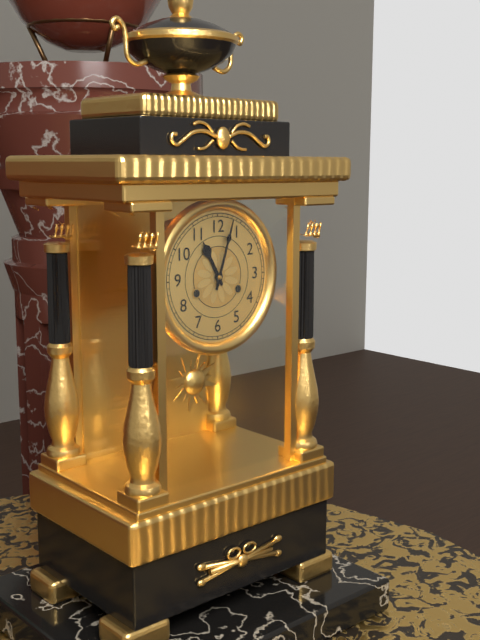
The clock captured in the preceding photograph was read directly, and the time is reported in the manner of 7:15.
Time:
11:03
